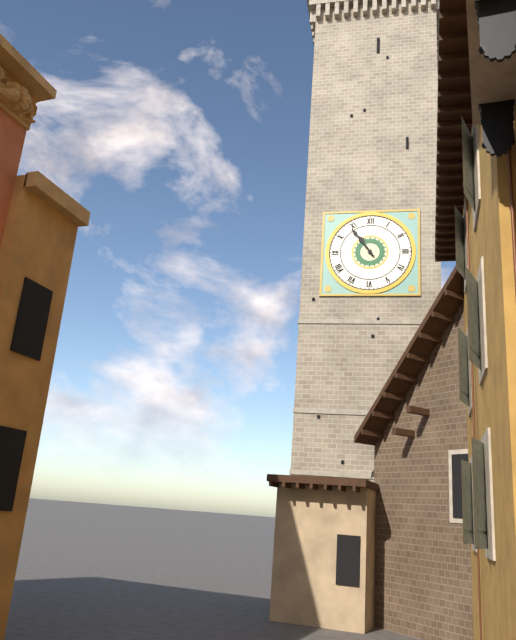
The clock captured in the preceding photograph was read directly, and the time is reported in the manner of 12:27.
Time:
10:54
